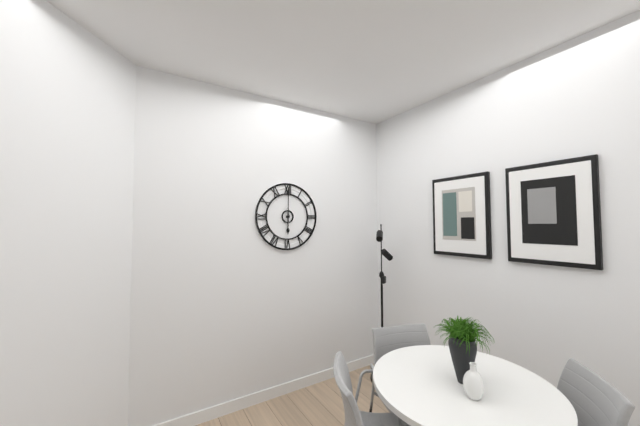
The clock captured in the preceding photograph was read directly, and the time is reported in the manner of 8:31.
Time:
6:00
